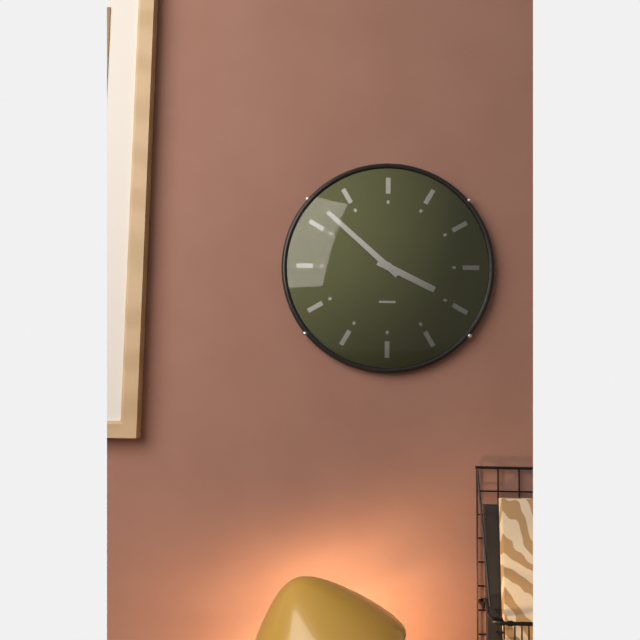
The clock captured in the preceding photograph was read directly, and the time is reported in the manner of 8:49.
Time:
3:52
